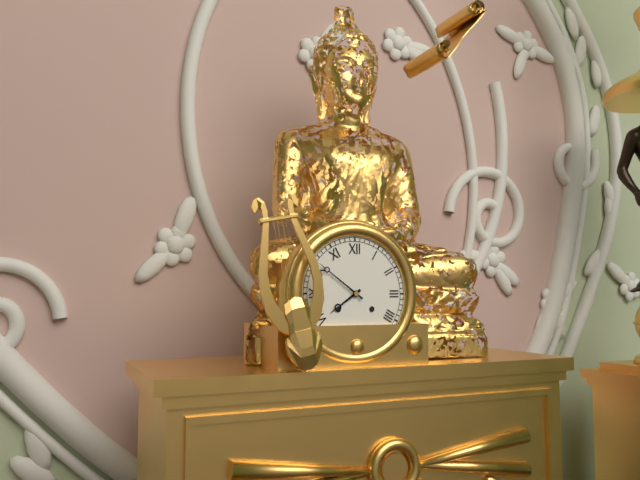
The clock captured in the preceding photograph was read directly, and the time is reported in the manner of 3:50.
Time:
7:51
